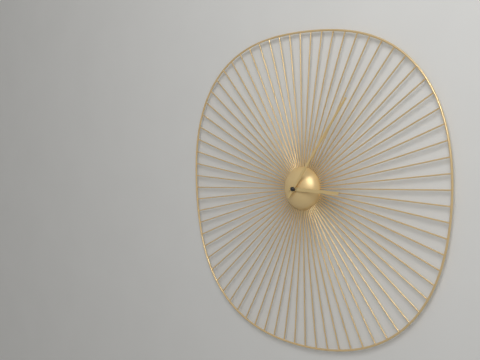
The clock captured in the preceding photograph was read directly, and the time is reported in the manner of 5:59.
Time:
3:06
